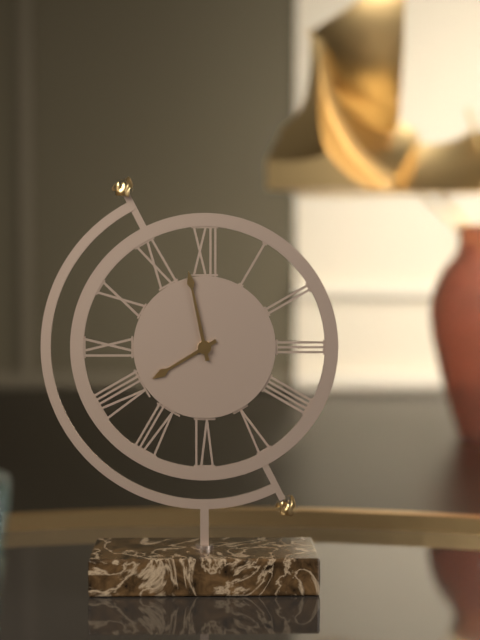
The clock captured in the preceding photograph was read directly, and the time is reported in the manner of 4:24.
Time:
7:58
